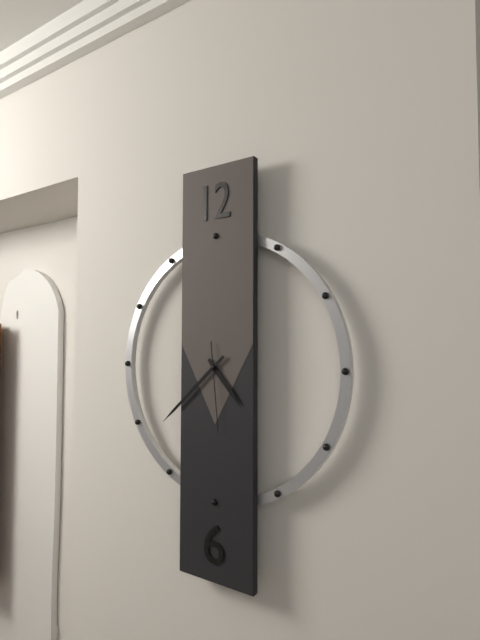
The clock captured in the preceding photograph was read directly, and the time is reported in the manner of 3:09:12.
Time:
4:38:29
